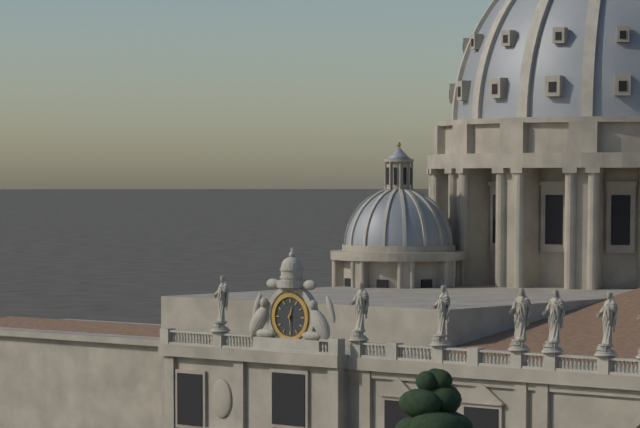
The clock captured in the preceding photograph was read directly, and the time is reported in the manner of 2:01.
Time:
12:29
